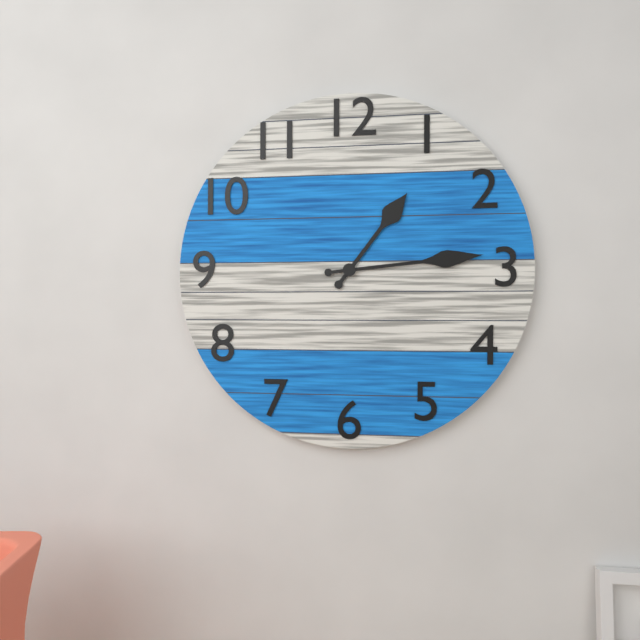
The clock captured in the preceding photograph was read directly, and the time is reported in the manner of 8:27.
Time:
1:14
